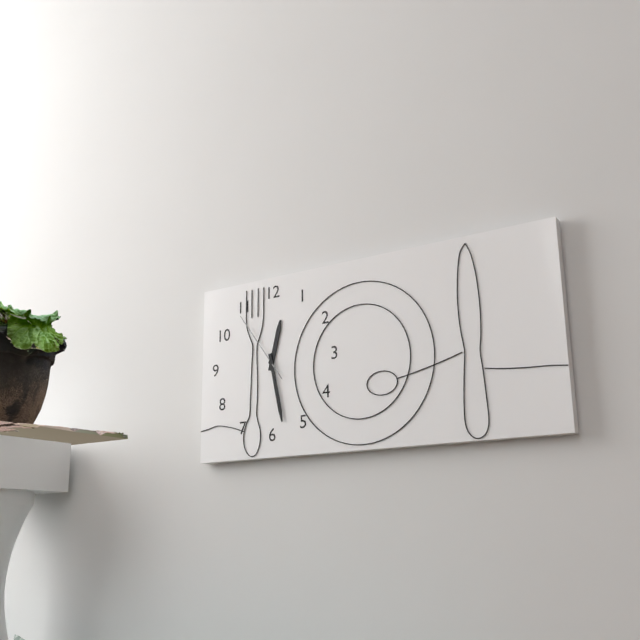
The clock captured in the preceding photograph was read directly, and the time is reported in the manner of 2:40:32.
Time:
12:28:54
